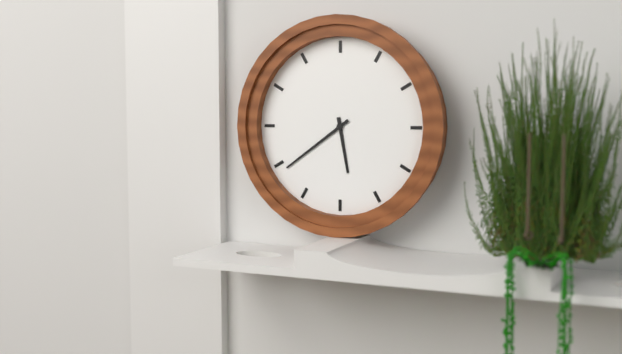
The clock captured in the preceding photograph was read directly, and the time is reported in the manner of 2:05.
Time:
5:39
